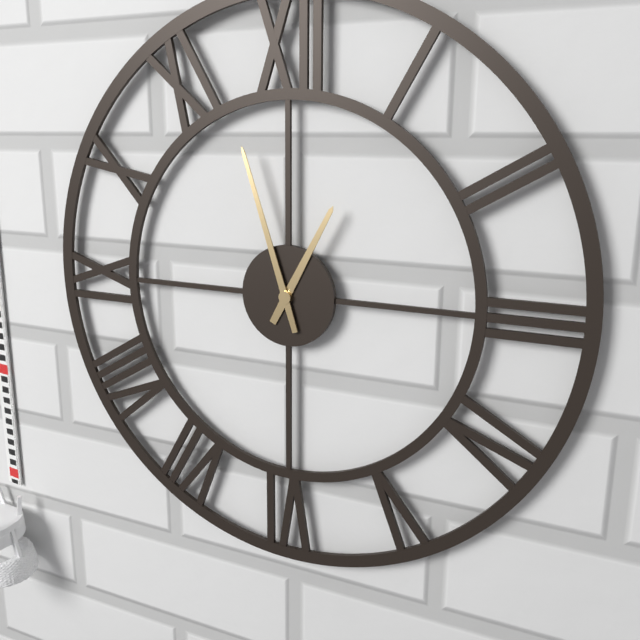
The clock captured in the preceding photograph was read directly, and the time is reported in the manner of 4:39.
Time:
12:57
